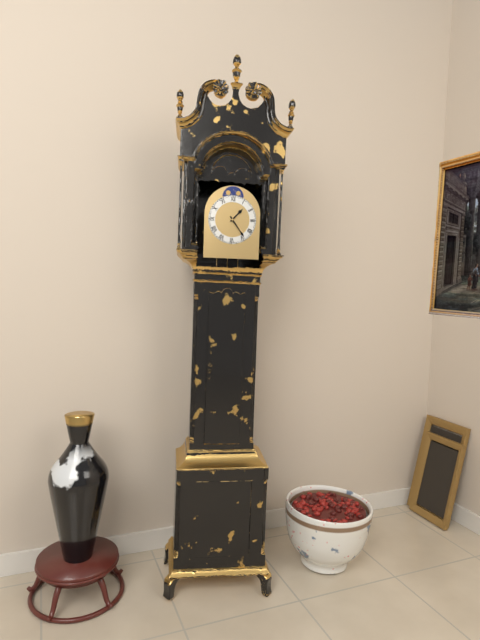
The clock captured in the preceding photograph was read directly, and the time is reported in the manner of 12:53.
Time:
1:24
